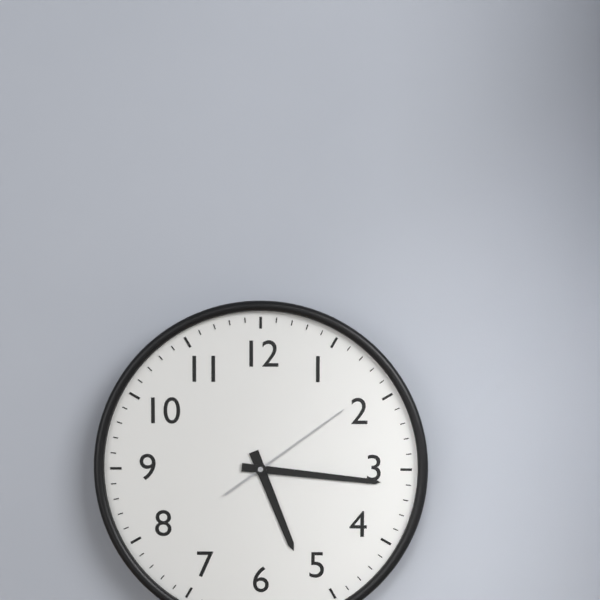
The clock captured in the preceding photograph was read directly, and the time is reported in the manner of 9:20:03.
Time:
5:16:09
